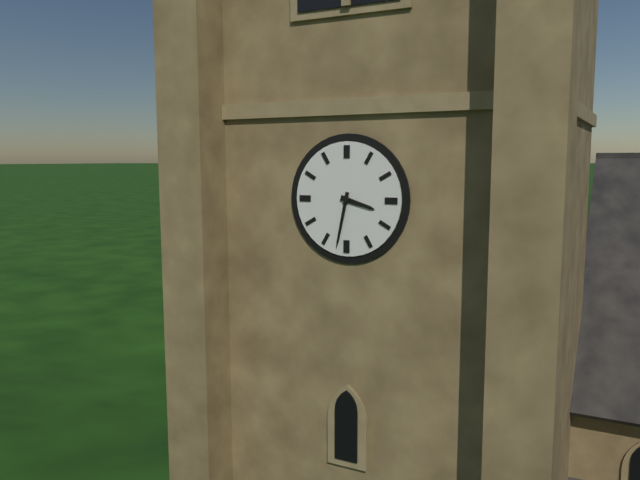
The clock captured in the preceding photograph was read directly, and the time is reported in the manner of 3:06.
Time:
3:32
